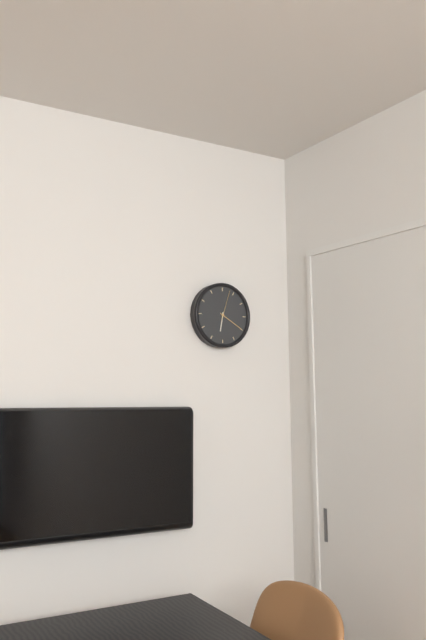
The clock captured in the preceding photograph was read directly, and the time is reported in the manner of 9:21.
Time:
6:20
